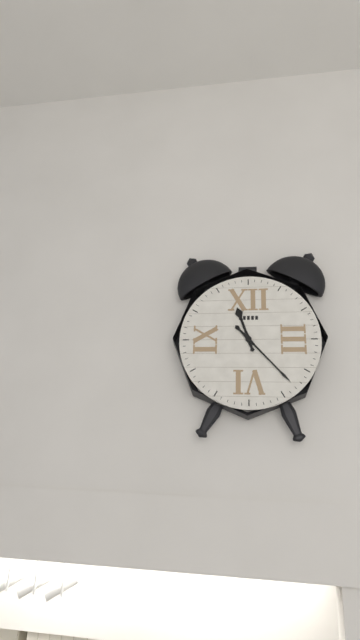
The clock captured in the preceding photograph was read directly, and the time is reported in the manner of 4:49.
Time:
11:23
